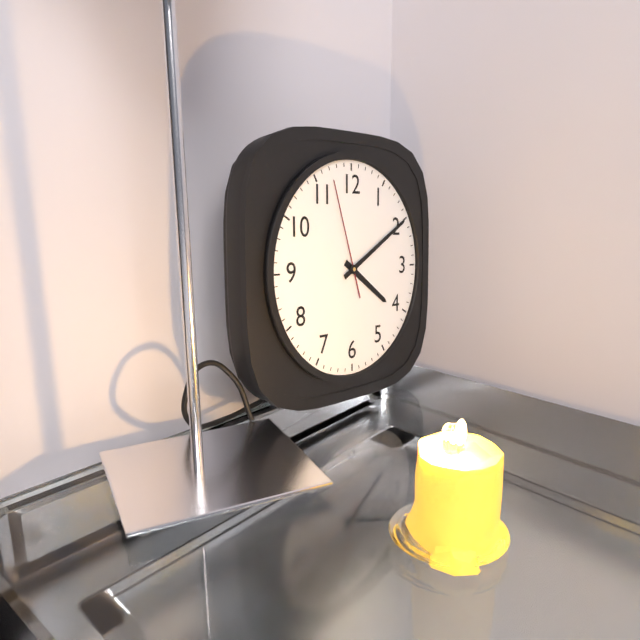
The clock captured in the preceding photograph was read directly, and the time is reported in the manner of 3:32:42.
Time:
4:10:57
